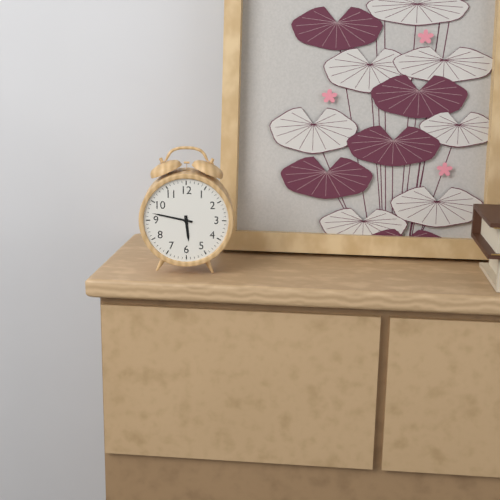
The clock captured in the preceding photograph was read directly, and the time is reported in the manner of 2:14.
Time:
5:47
